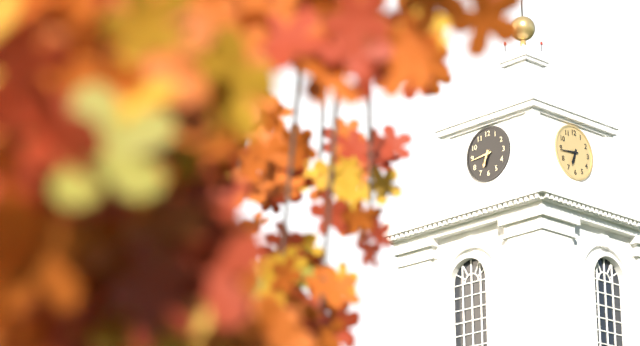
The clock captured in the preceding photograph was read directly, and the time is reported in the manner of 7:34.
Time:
6:44
